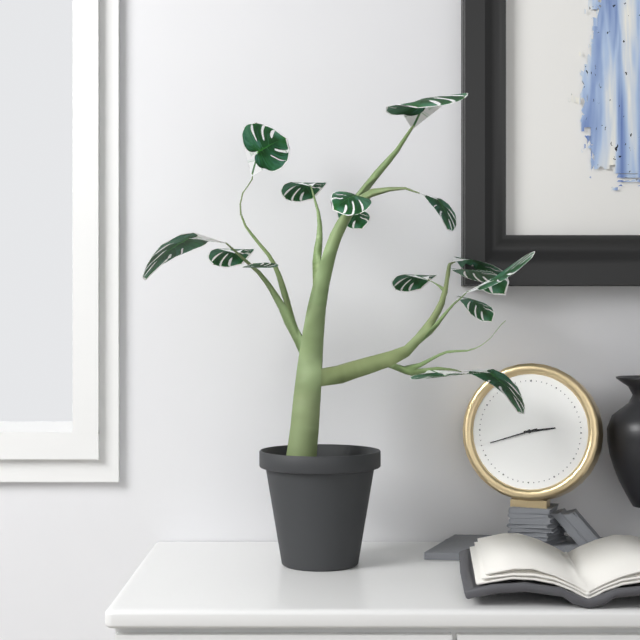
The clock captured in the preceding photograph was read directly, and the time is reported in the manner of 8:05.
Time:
2:42
